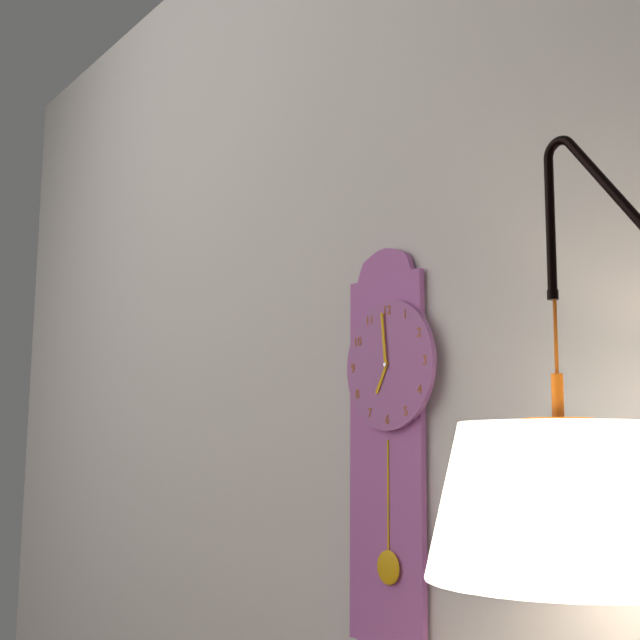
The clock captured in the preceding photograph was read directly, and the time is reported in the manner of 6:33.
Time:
6:59
